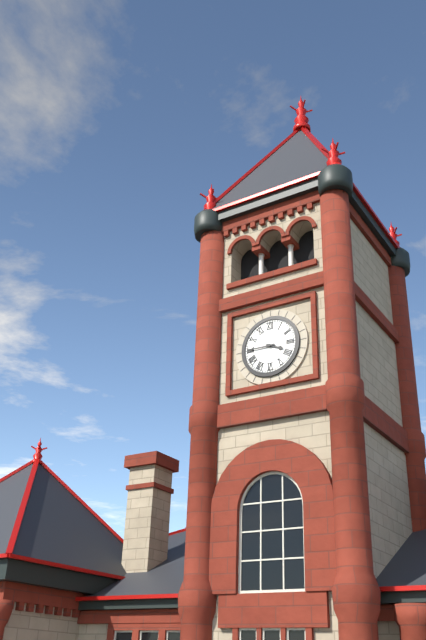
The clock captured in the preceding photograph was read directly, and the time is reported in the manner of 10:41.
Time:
3:45
